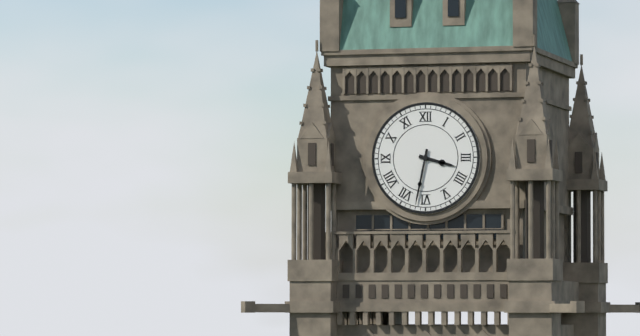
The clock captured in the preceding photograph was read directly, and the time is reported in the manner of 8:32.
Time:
3:32
